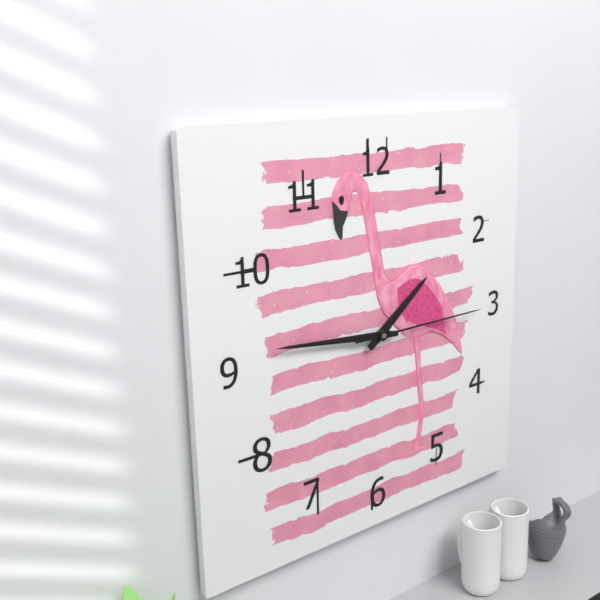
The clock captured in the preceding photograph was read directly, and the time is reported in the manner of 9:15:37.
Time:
1:46:15
